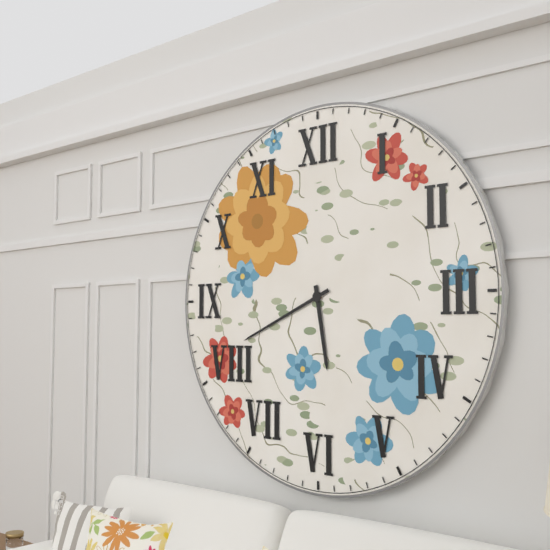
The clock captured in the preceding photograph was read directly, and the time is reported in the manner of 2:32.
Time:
5:41
